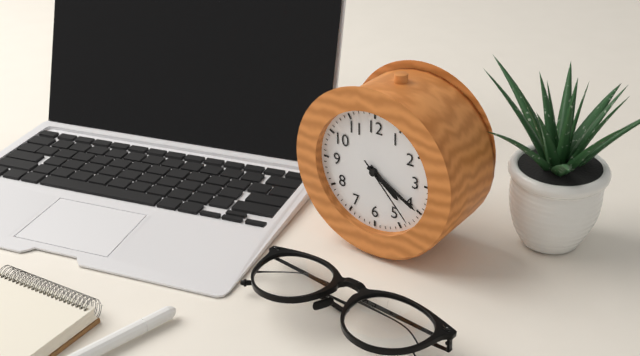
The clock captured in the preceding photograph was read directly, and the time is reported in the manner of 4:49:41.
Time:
4:20:23
